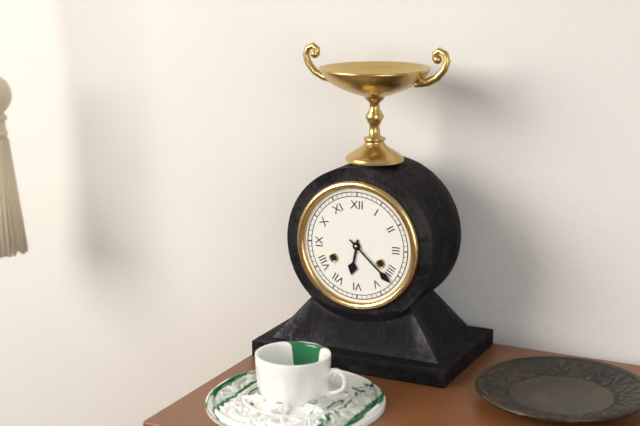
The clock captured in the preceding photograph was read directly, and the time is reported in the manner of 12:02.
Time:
6:22
